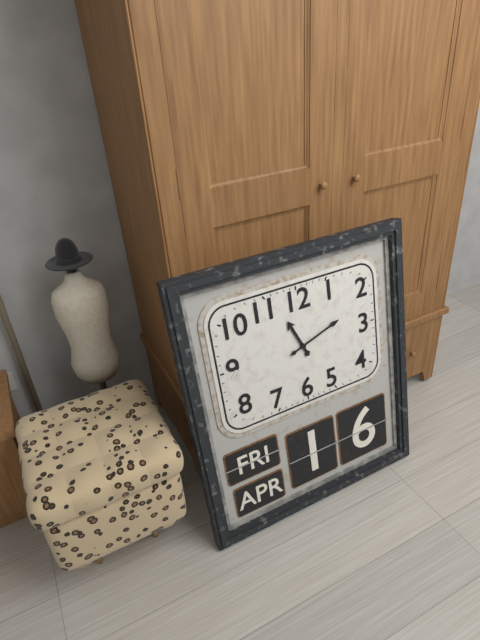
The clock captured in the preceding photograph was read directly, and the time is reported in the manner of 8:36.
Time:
11:12
